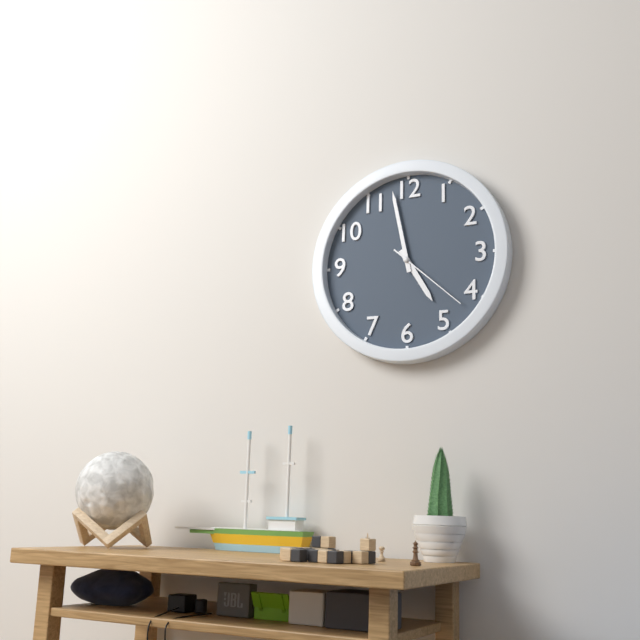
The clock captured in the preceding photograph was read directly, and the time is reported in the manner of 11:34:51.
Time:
4:58:22
